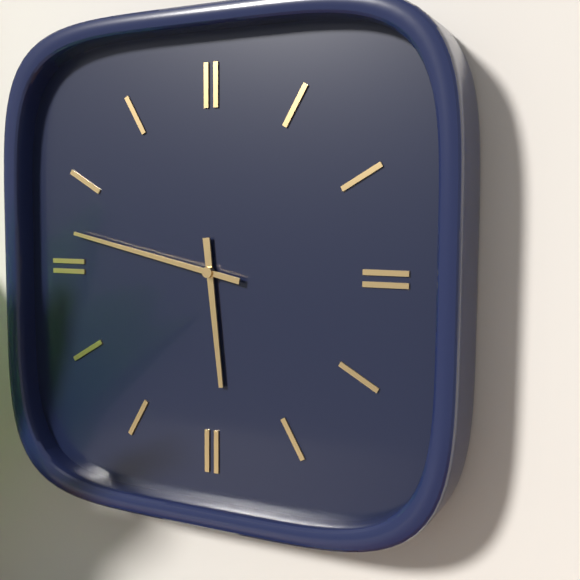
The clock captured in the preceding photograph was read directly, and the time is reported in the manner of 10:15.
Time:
5:47
